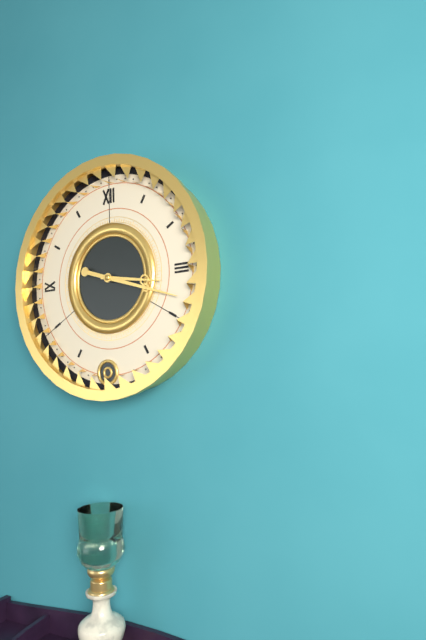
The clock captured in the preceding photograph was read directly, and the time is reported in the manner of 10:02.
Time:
3:18
